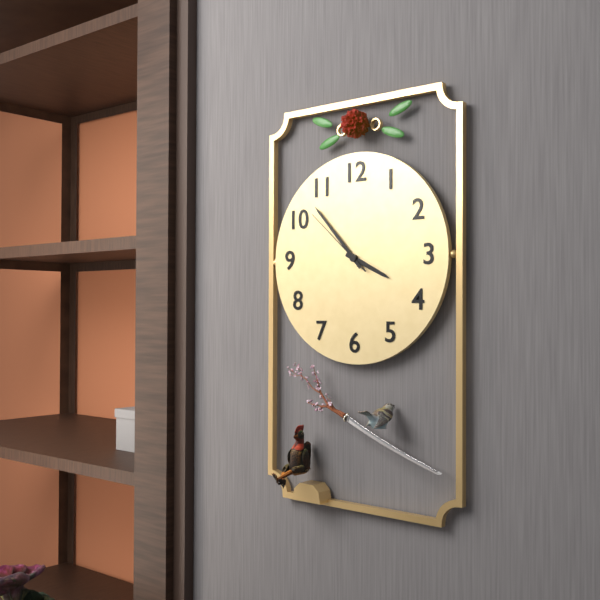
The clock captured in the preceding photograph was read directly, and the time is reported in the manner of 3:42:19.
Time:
3:53:52
